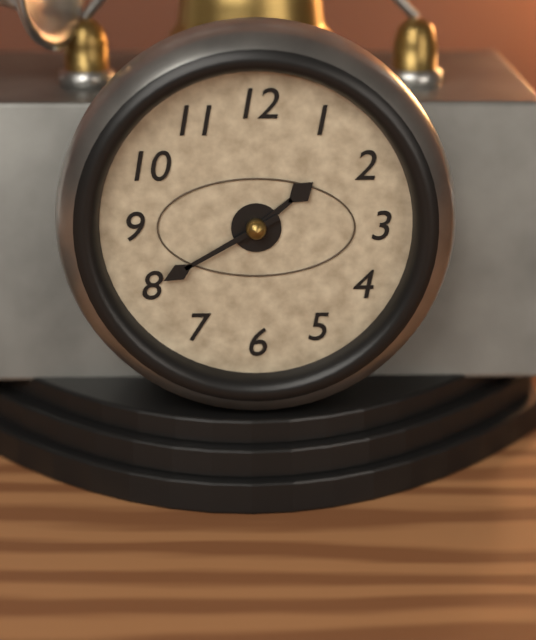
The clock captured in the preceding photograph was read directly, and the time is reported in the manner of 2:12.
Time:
1:40
